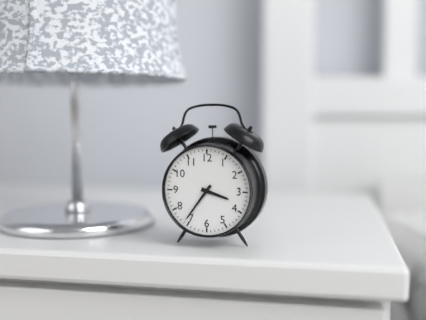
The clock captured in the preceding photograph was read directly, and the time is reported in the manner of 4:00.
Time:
3:36
